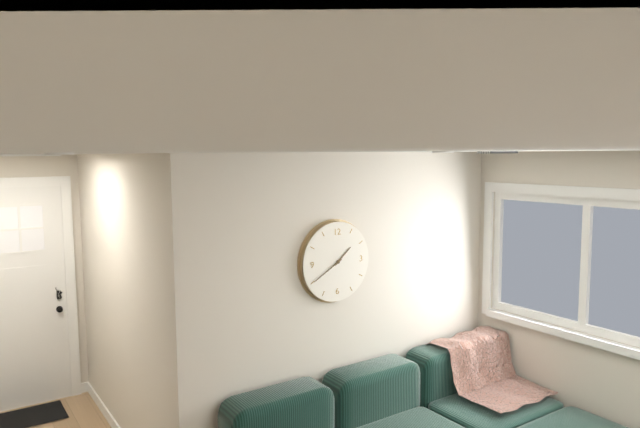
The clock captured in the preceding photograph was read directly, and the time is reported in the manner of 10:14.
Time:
1:40
